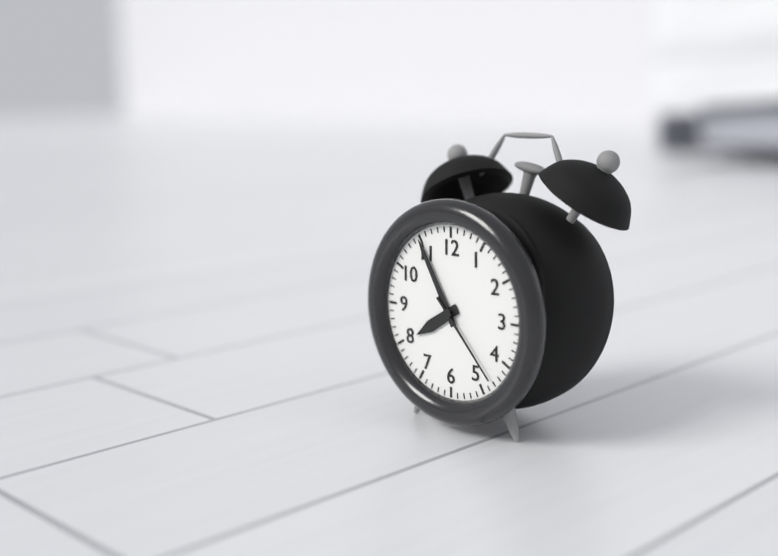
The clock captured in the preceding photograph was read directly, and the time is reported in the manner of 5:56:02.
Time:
7:55:23
